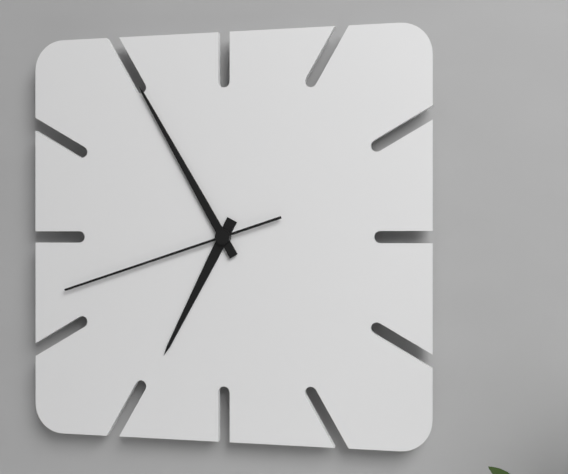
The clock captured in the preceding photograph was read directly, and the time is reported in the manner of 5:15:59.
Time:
6:55:42
